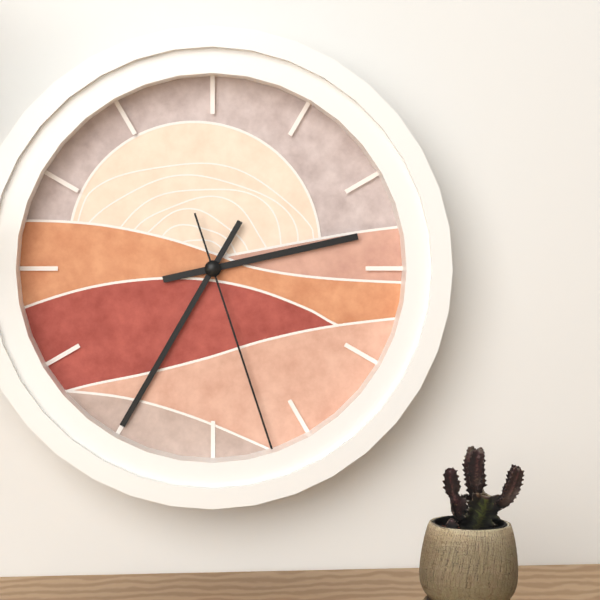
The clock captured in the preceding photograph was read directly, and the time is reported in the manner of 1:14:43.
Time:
2:35:27
